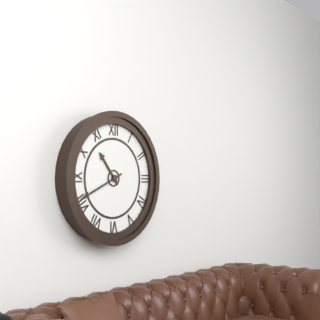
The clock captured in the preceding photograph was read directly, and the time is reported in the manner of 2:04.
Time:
10:41
